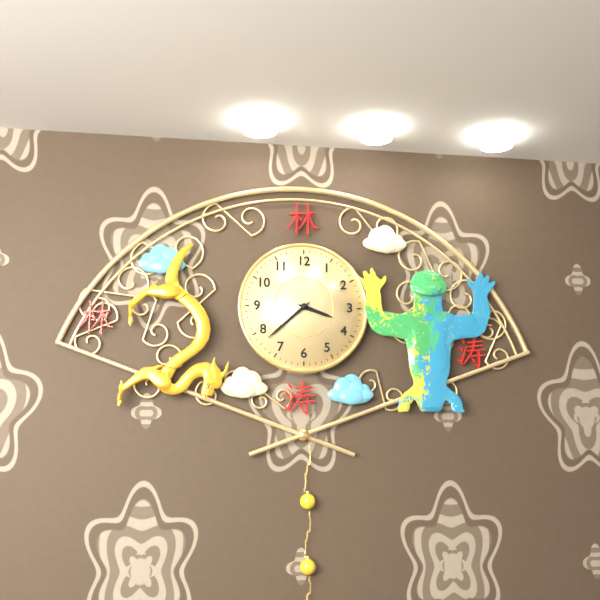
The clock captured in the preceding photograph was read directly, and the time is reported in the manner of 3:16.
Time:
3:38
